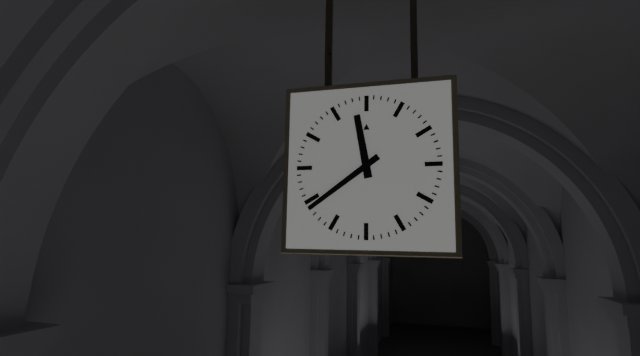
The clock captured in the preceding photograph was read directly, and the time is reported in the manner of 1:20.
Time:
11:39
